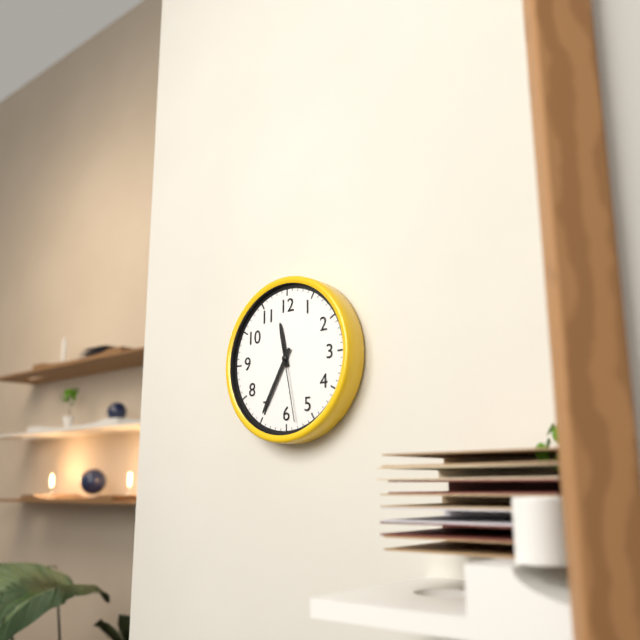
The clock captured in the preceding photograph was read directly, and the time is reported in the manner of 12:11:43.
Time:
11:35:28
